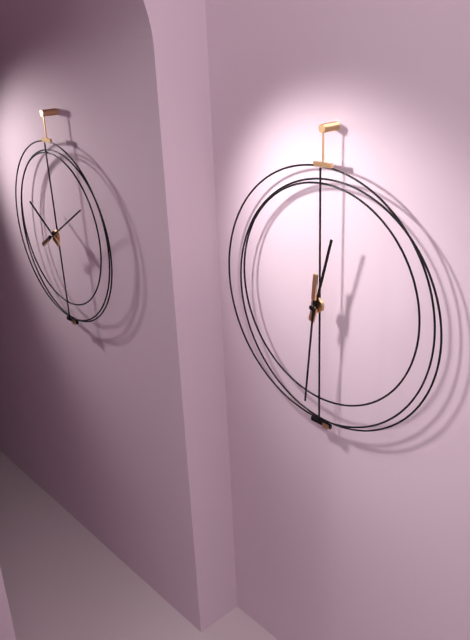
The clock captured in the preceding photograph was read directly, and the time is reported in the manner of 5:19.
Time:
12:31
